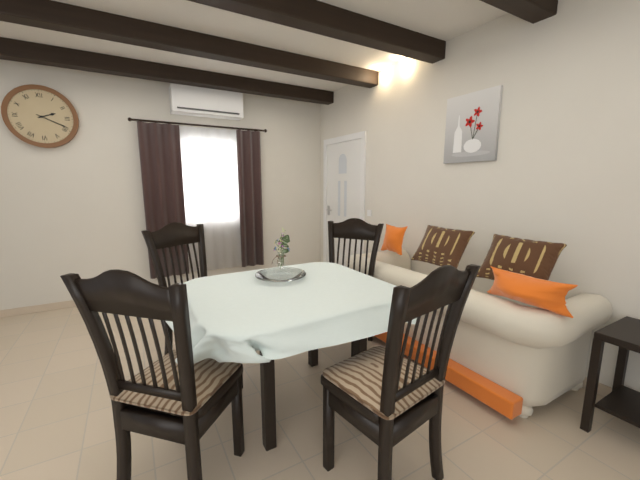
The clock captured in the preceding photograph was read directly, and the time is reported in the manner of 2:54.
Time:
2:19
